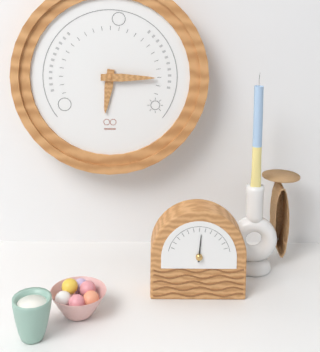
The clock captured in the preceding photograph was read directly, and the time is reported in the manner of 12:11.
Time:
6:15
